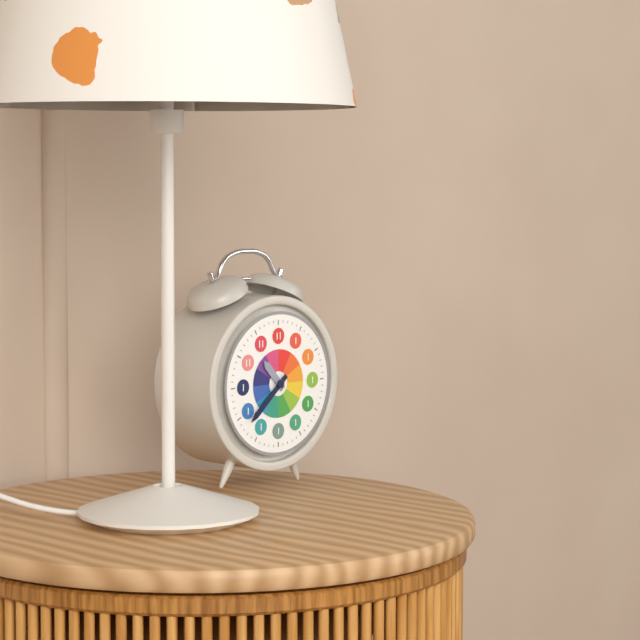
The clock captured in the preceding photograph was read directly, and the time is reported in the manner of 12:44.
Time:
10:38
